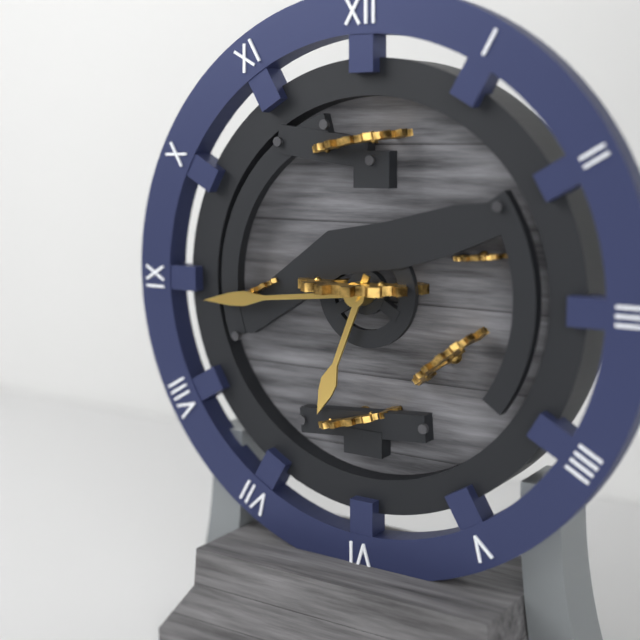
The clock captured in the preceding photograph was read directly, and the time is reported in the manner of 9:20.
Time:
6:44
